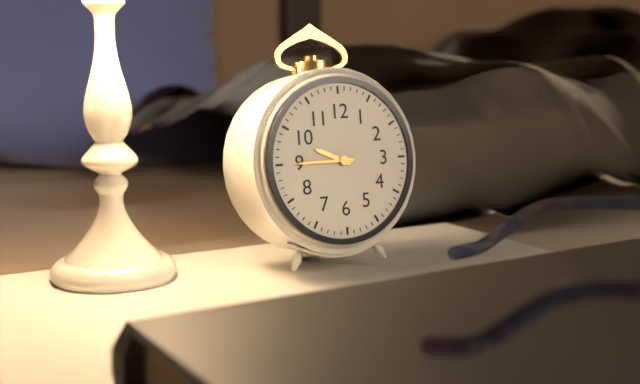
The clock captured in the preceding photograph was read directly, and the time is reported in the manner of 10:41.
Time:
9:45
